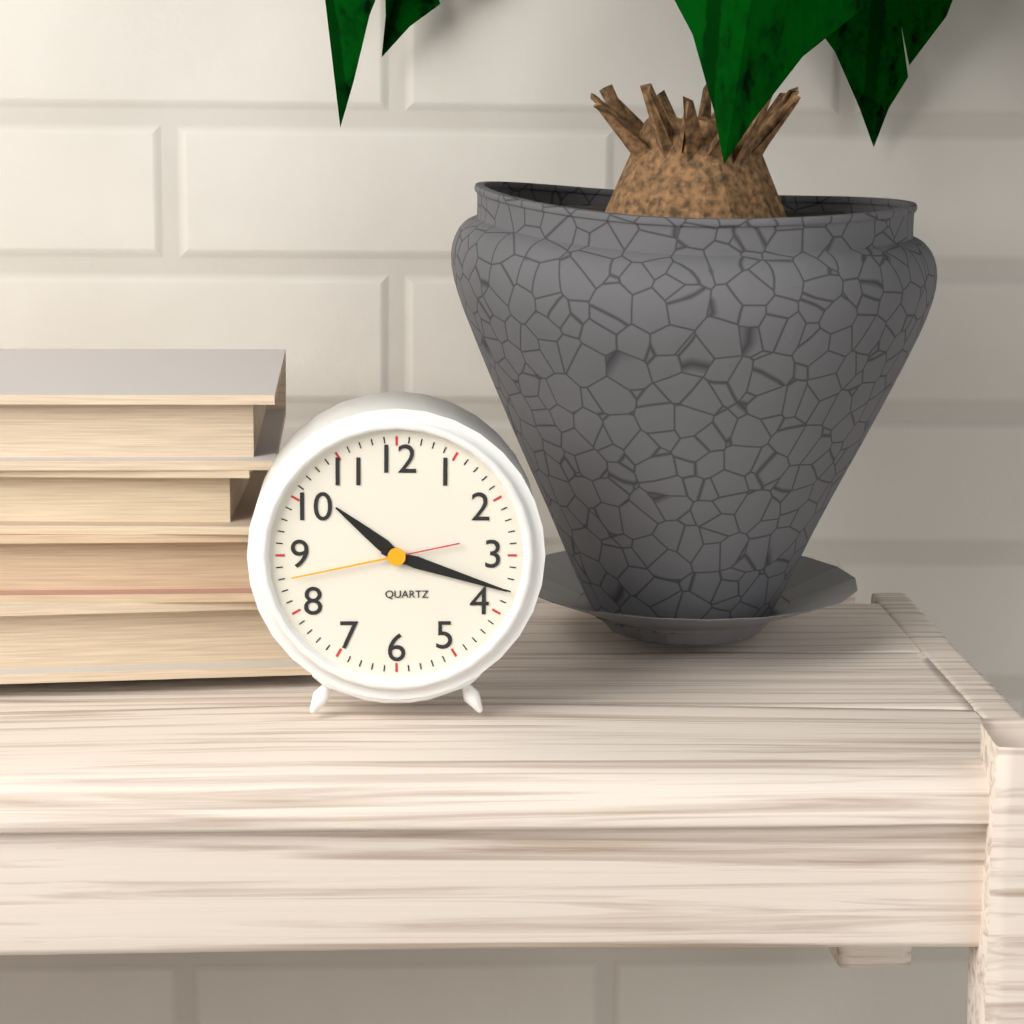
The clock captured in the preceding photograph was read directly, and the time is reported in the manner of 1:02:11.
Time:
10:18:43
